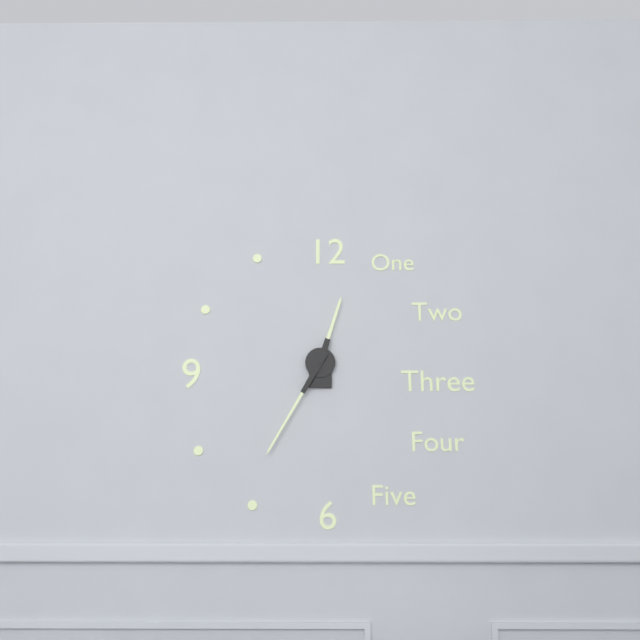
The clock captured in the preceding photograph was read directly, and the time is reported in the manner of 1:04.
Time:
12:35
